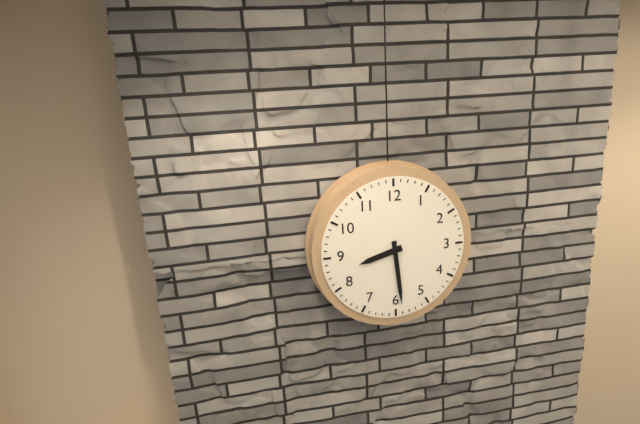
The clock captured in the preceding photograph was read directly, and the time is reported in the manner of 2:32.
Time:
8:29
